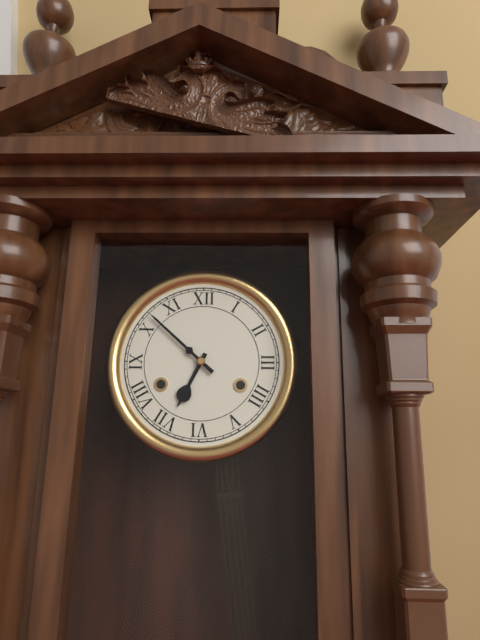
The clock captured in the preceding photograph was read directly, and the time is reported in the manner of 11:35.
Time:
6:52
